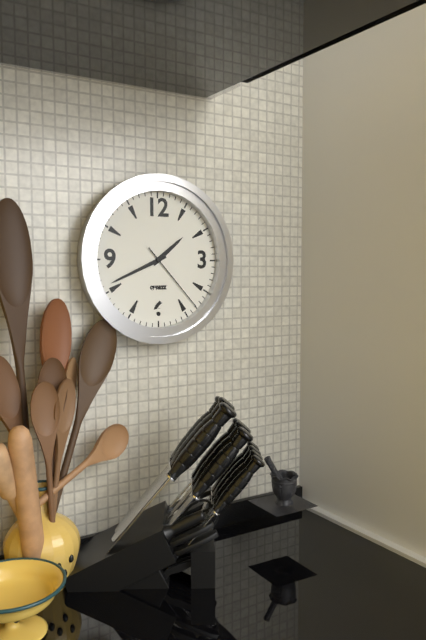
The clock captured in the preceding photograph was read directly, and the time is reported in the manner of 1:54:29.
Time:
1:41:23
